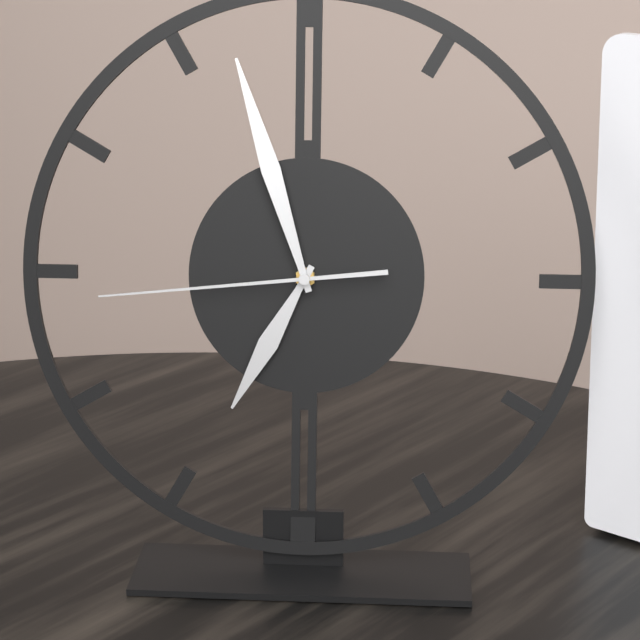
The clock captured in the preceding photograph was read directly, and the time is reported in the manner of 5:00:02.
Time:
6:57:44
